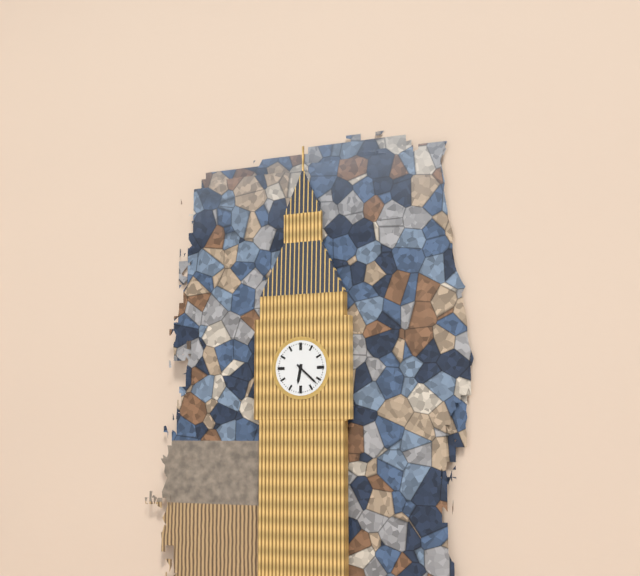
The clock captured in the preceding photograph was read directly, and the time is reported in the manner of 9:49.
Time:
6:22
